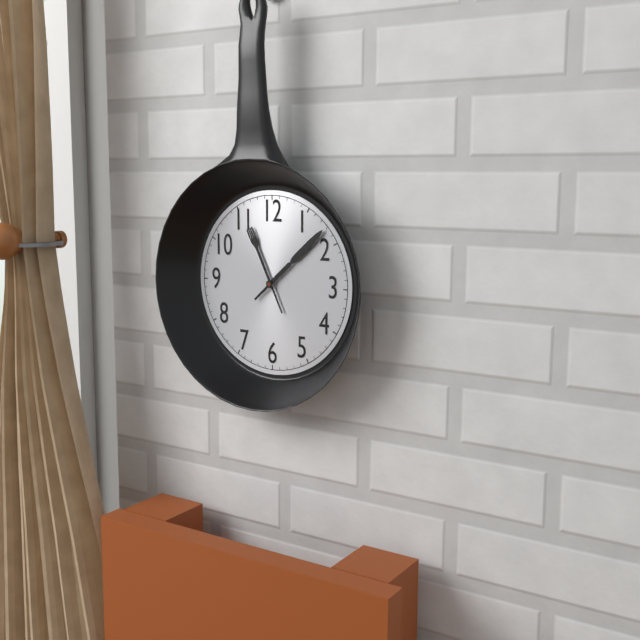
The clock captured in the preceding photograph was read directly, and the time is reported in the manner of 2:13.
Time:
11:08
